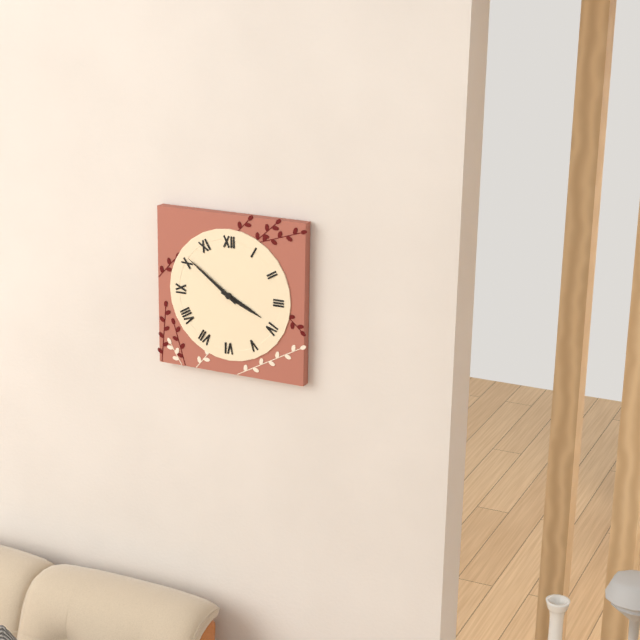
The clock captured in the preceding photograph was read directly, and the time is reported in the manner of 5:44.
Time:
3:51
